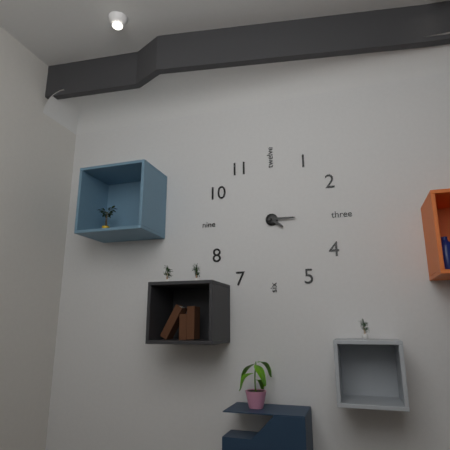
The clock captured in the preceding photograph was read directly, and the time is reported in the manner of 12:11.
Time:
4:15
